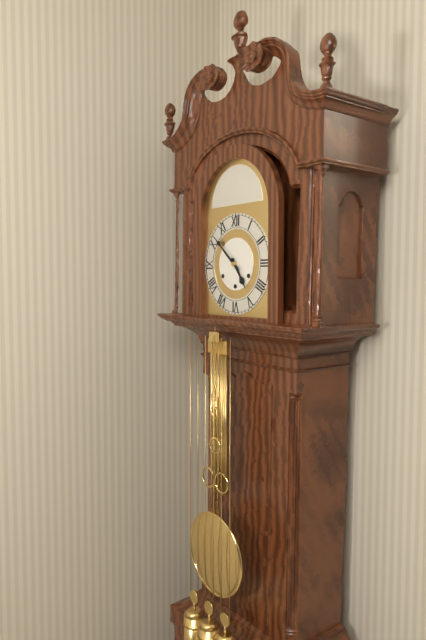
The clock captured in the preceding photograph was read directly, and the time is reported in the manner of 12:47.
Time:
4:52
